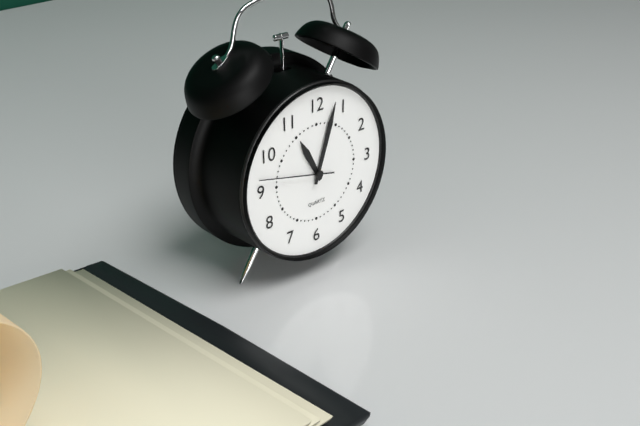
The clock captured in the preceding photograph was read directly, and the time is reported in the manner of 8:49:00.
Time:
11:03:47
